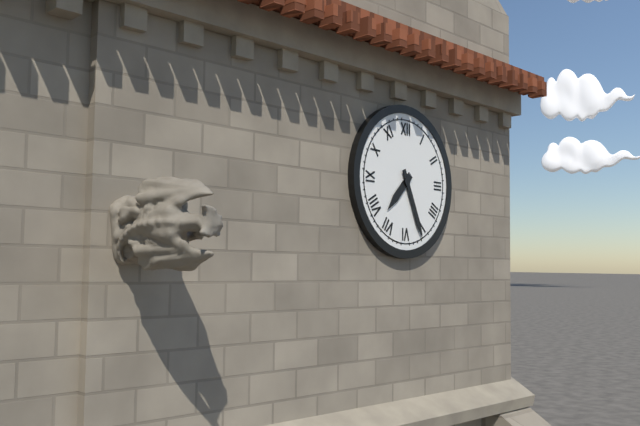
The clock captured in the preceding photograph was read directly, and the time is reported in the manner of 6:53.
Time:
7:26
